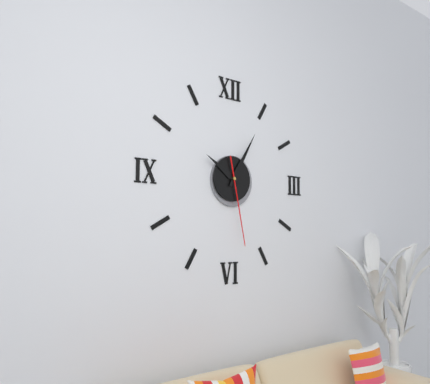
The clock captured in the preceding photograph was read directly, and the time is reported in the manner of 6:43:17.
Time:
10:05:28
